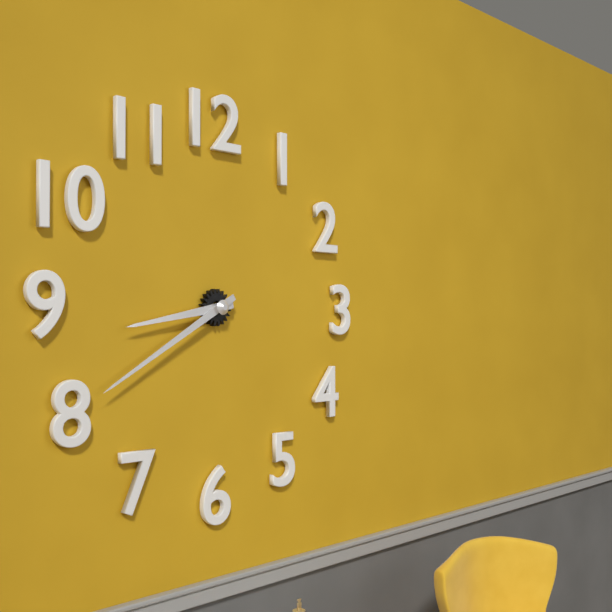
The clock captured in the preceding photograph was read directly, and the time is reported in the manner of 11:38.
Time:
8:40
